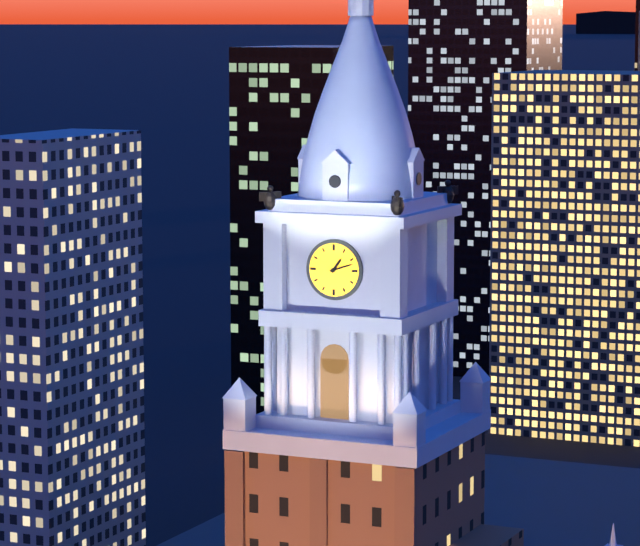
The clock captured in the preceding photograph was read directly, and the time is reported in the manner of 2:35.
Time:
1:12
